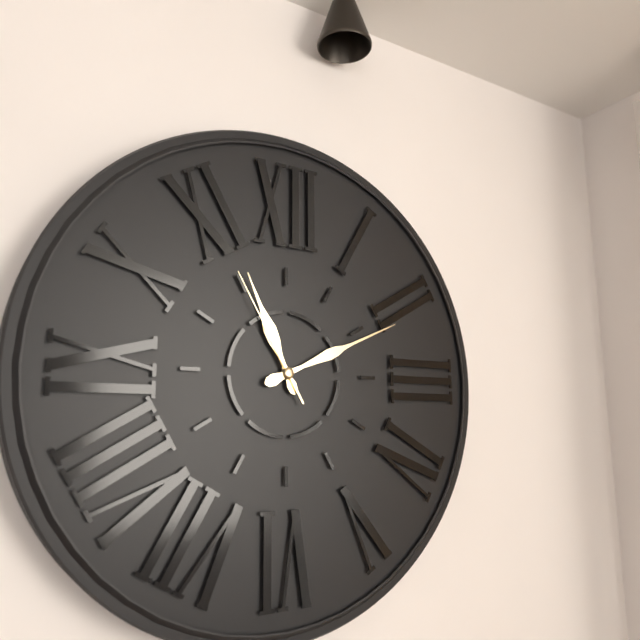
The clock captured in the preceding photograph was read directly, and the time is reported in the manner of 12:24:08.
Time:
11:11:55
